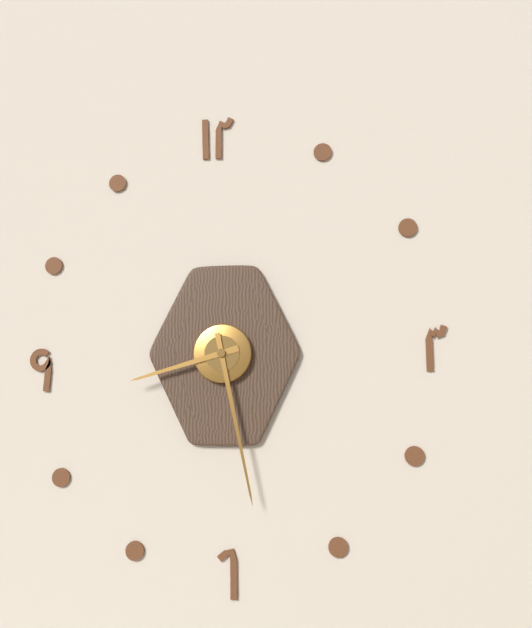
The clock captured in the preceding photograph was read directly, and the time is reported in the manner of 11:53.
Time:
8:28
